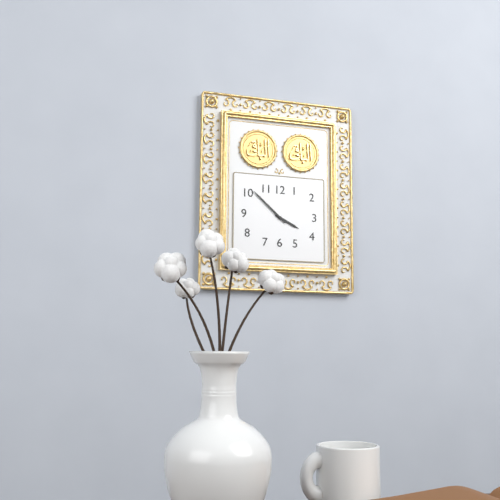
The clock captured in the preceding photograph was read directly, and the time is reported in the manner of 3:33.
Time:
3:52
